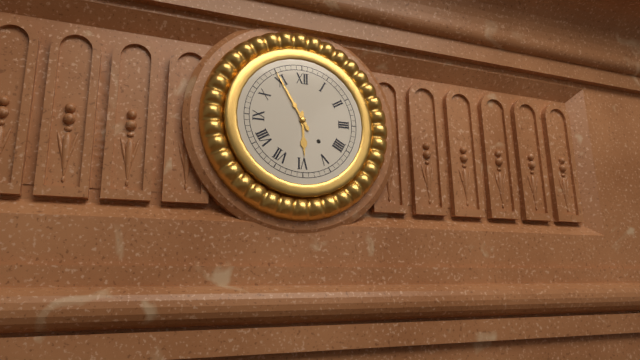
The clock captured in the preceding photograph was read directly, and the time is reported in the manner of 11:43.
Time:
5:55
